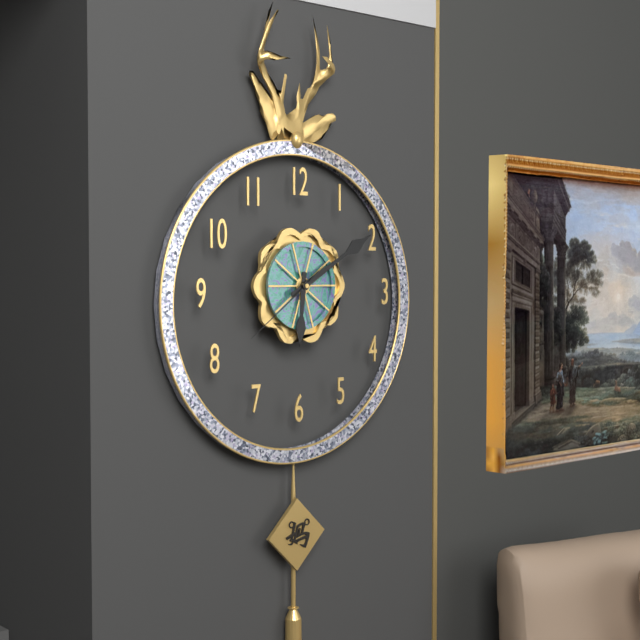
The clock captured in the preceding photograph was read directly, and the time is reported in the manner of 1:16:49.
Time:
6:10:39
